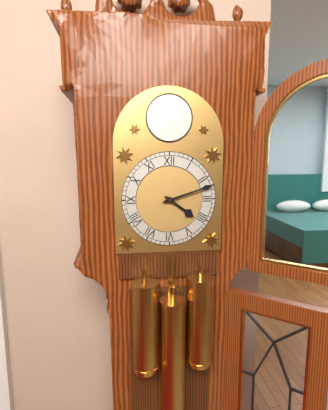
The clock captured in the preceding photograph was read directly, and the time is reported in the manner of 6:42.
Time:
4:12
